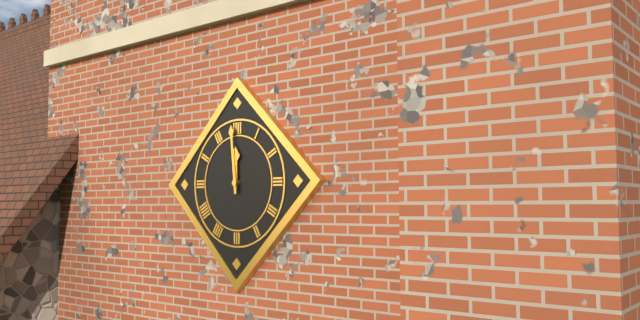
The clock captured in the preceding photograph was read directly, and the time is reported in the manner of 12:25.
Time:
11:59
